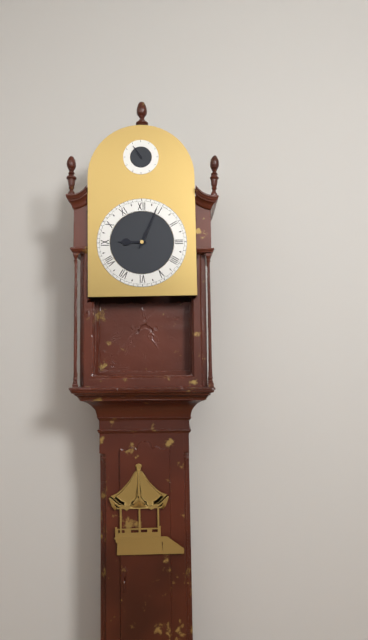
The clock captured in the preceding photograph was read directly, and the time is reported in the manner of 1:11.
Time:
9:04
